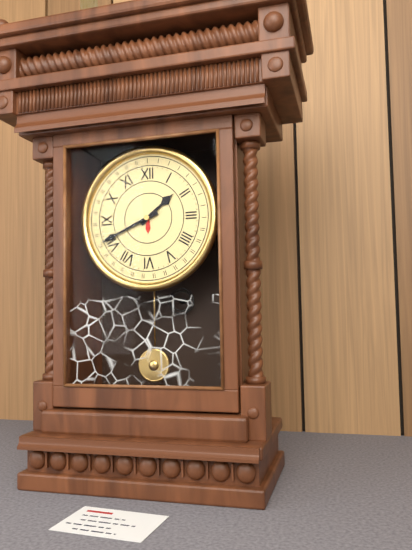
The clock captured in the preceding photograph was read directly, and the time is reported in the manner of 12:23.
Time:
1:41
